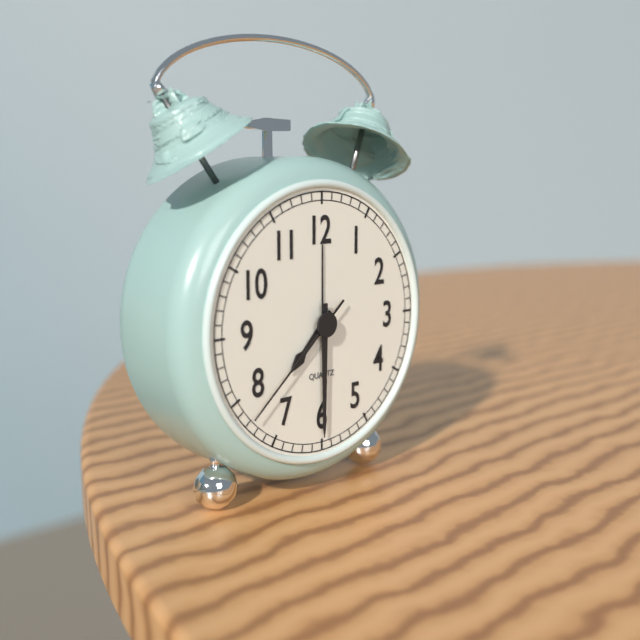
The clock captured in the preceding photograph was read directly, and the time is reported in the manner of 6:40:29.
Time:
7:30:38
